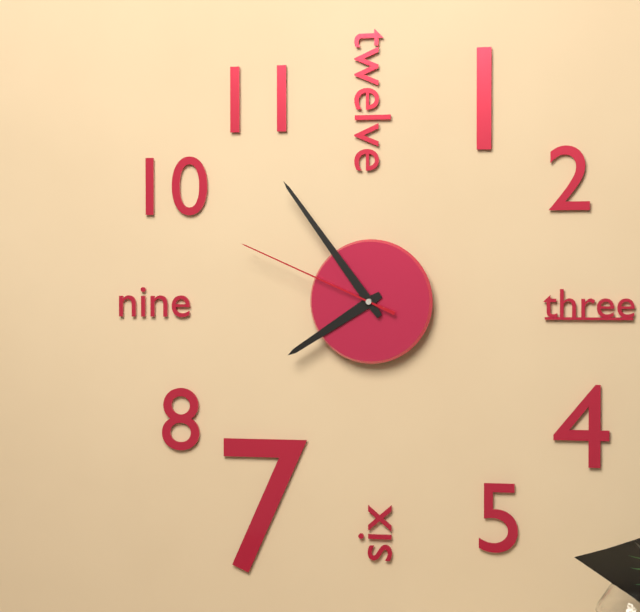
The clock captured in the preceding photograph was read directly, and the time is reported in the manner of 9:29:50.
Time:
7:54:49
